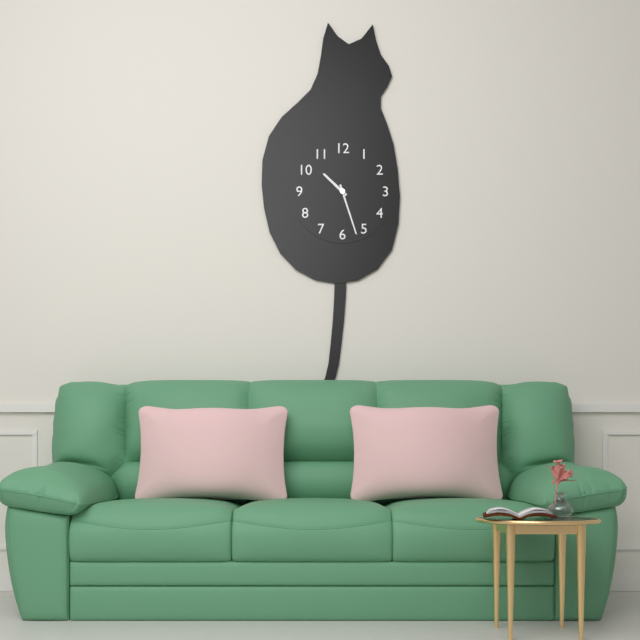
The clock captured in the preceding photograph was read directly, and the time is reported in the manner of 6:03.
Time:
10:27
